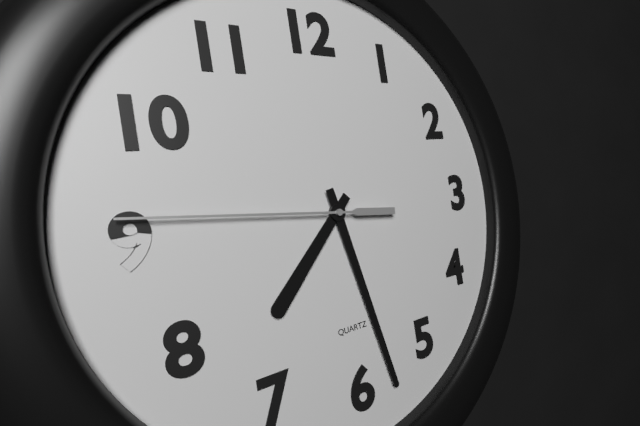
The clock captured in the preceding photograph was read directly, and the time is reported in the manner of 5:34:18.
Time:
7:28:46
